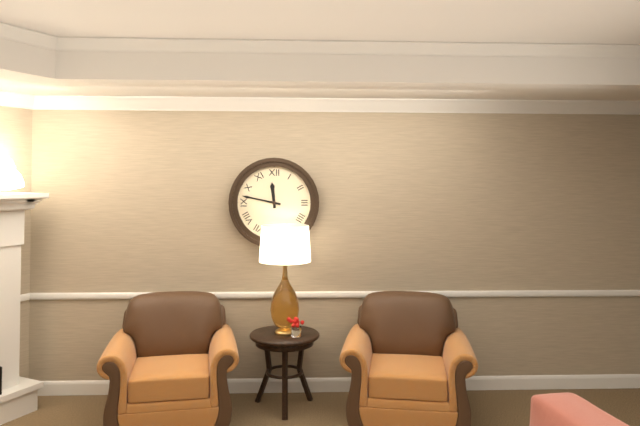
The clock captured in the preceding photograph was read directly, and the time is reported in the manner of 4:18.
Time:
11:47
